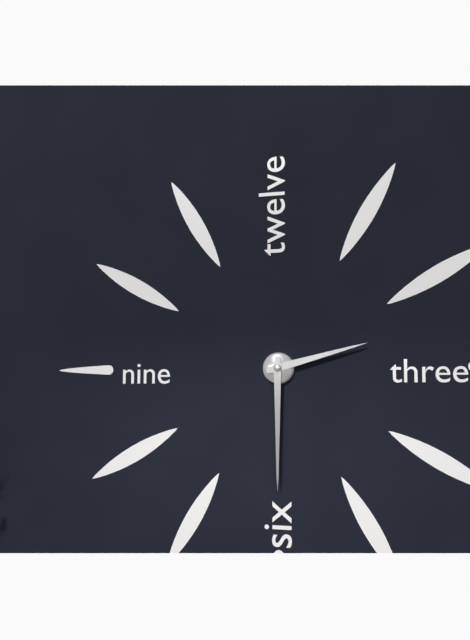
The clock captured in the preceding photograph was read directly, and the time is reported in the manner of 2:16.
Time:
2:30
